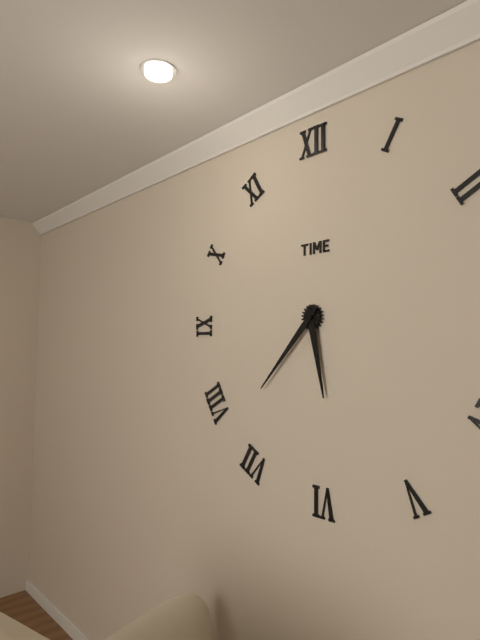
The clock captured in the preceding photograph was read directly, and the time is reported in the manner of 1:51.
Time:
5:37
